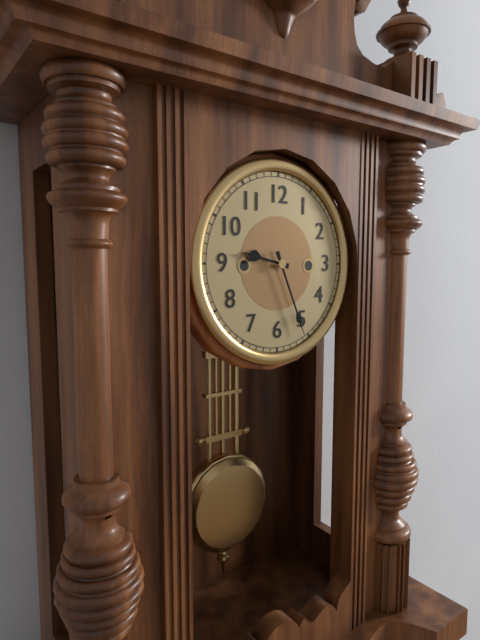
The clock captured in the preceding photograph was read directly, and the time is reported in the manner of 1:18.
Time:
9:26
